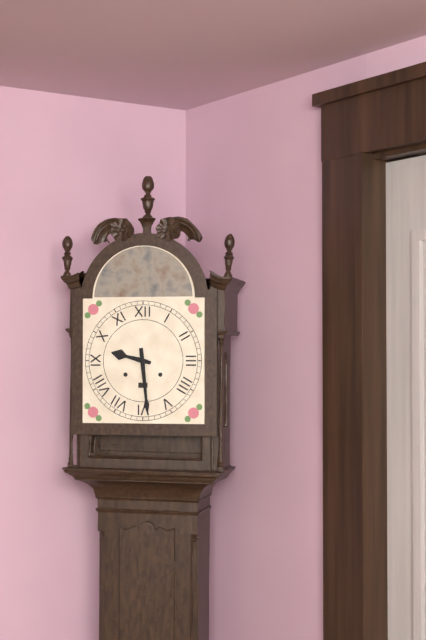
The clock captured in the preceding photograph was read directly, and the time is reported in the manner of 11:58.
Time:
9:29
